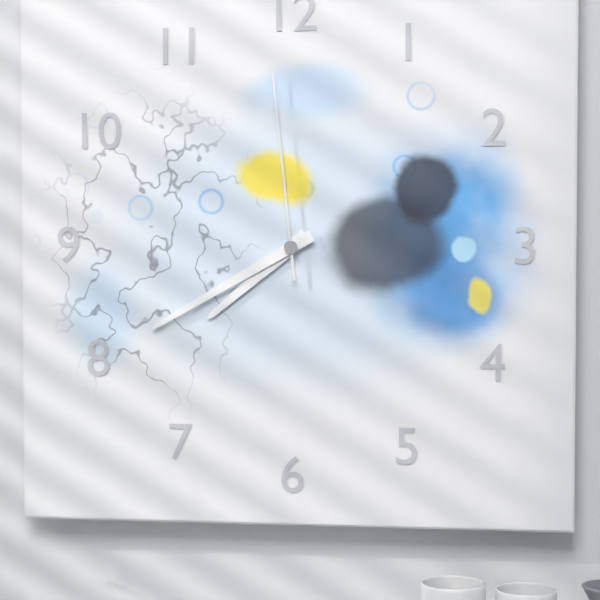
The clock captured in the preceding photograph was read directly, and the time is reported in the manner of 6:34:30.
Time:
7:40:59
